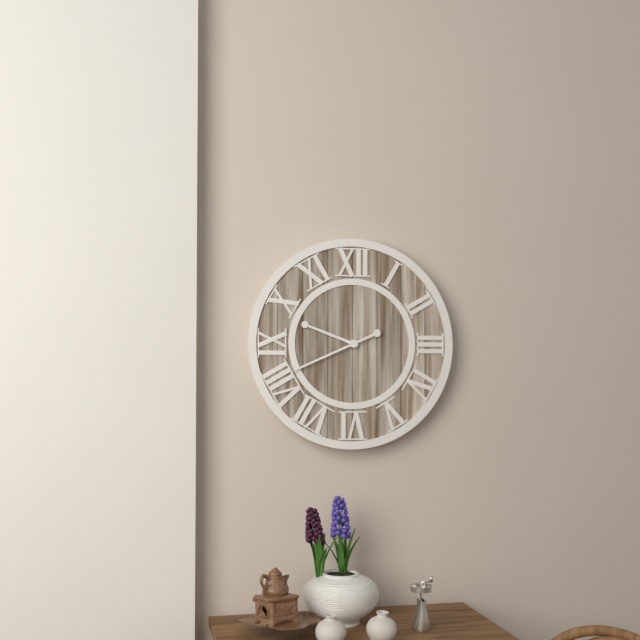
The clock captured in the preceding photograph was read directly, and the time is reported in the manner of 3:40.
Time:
9:41
